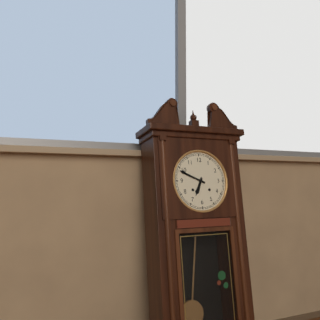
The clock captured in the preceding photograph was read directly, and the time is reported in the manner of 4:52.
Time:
6:49
